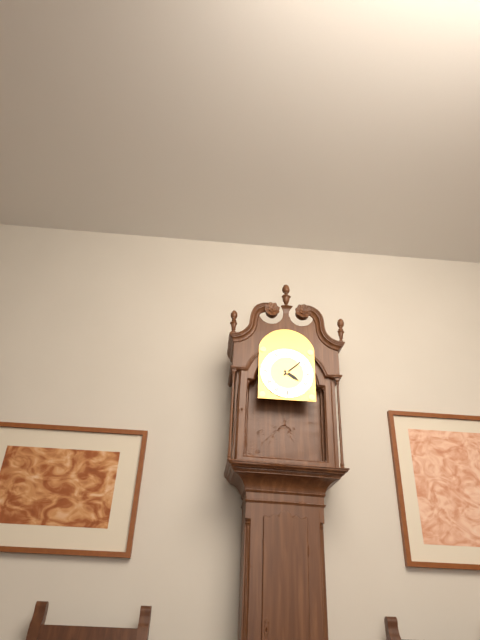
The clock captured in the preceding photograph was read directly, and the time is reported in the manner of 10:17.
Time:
4:08
